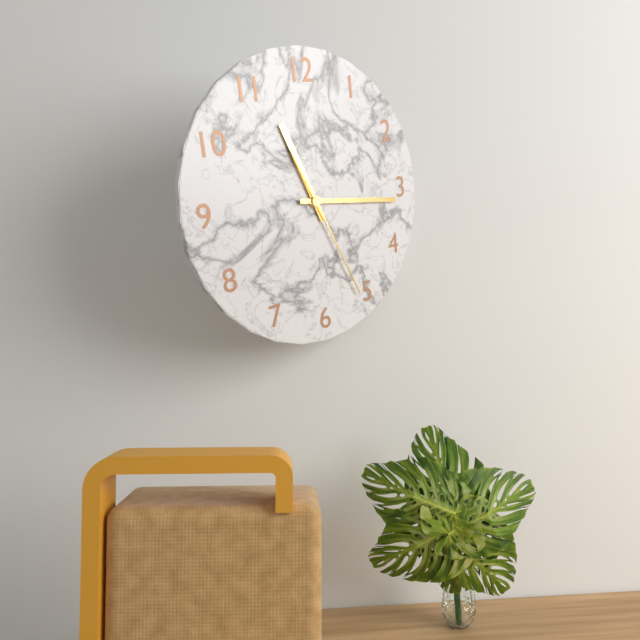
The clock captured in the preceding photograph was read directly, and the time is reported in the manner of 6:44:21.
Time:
11:16:26
